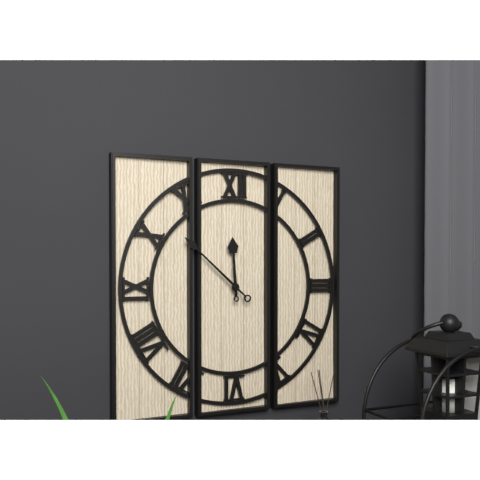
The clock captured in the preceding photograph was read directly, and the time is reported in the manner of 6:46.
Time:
11:52
